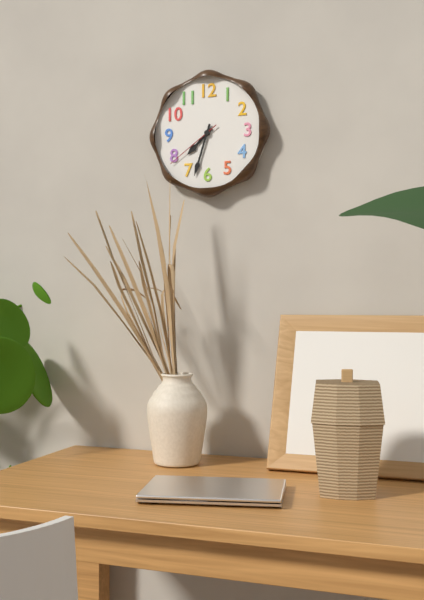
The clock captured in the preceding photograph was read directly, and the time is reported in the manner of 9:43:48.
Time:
7:33:39
